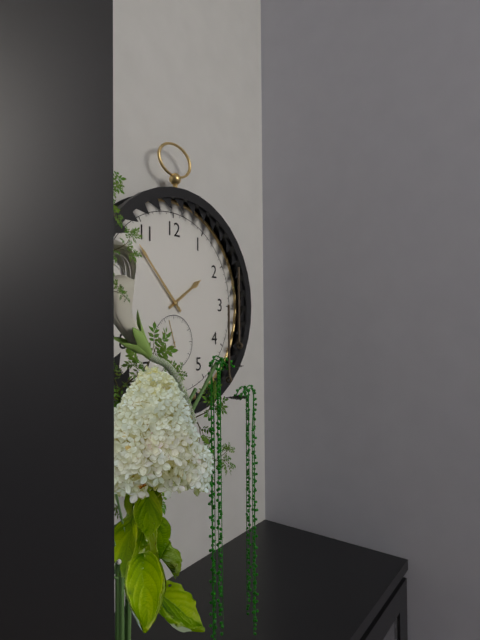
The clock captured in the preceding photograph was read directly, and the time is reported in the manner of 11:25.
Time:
1:53
